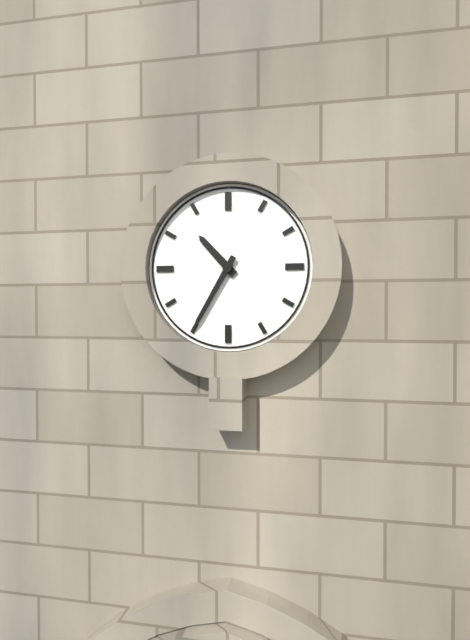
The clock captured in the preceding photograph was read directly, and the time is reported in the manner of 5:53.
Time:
10:35
